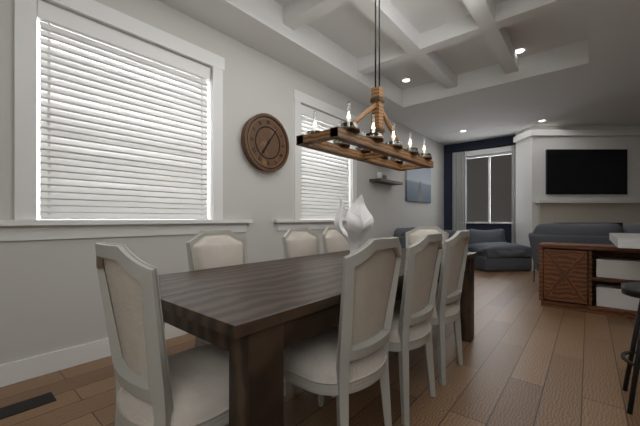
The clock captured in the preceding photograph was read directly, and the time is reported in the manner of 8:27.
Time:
7:06
